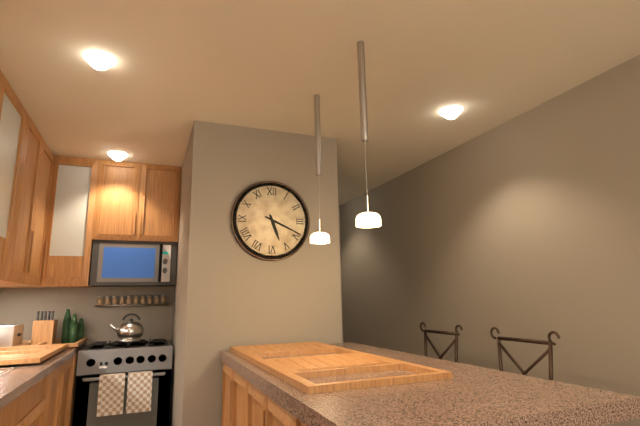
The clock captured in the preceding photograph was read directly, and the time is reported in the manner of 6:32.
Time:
5:19
